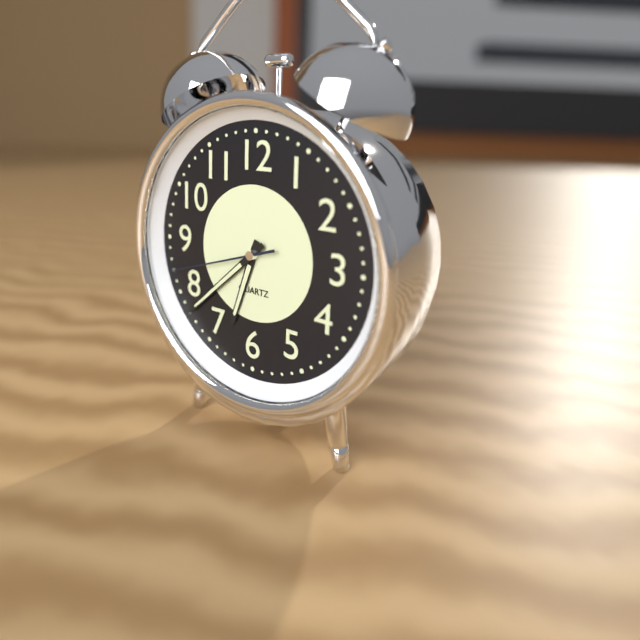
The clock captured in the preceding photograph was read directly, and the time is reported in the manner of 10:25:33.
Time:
6:38:42
